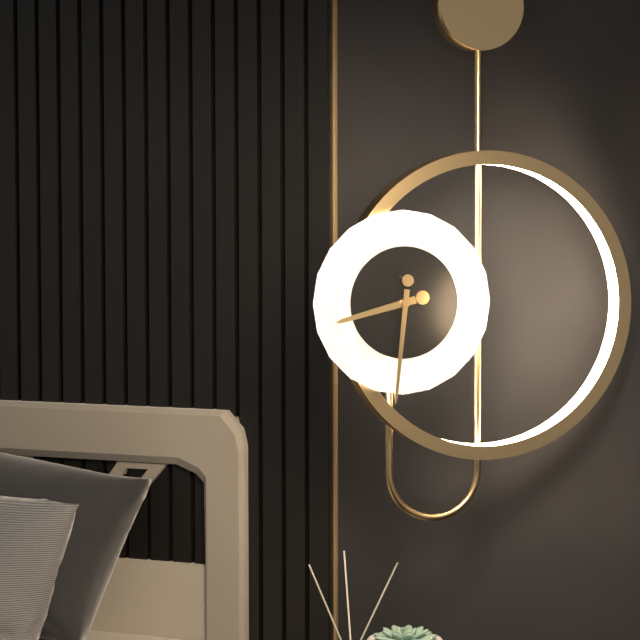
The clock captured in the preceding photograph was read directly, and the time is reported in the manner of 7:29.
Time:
8:31
